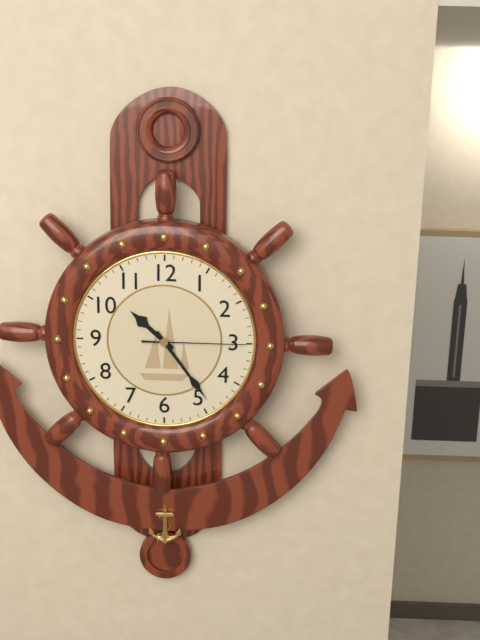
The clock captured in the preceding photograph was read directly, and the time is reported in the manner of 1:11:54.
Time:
10:24:15
